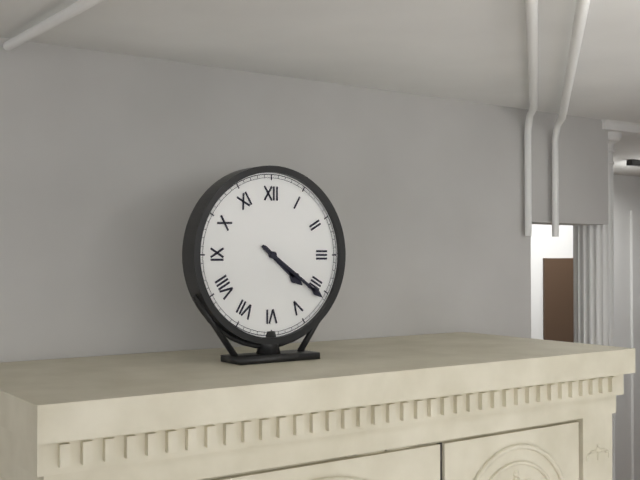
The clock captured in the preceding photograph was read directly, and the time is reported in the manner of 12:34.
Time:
4:21
